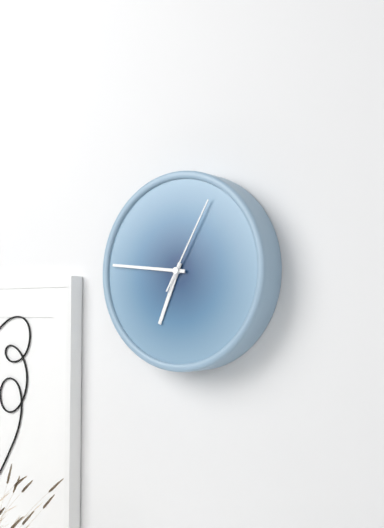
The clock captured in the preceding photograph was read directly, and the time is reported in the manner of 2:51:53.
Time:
6:46:05
